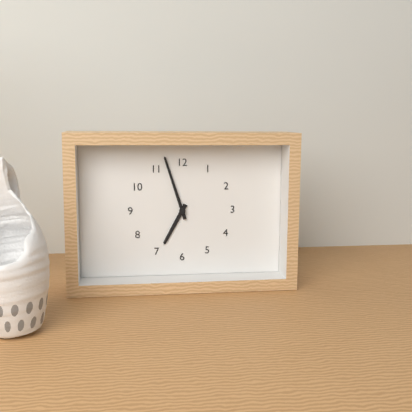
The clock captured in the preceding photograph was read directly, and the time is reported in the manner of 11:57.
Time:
6:57
